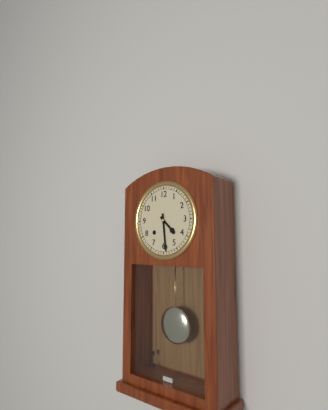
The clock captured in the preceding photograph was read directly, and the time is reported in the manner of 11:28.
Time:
4:29
